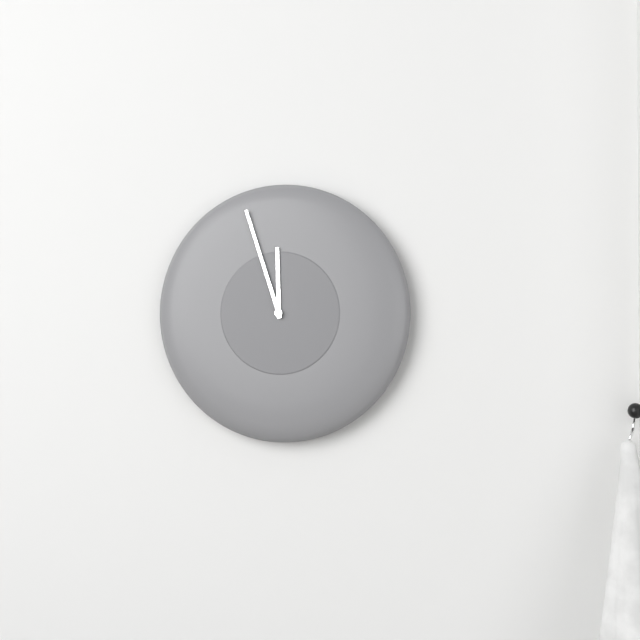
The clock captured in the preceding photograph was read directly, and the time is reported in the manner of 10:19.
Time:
11:57
